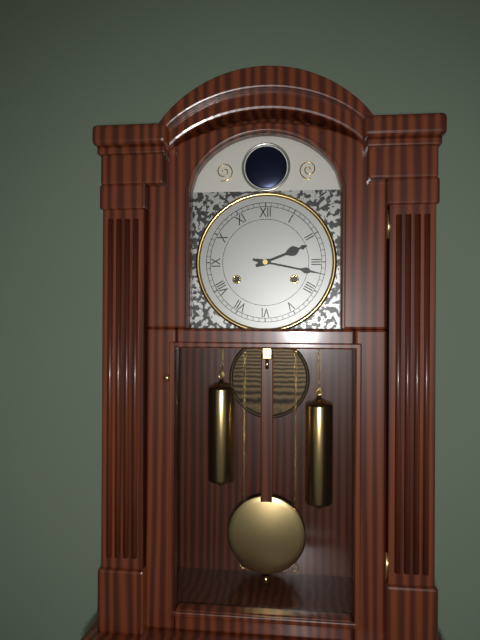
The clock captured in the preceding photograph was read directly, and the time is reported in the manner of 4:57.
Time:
2:17
